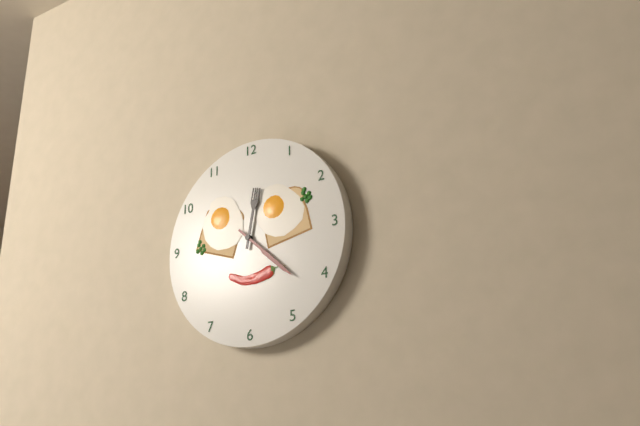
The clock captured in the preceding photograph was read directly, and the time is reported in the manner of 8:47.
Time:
12:22
